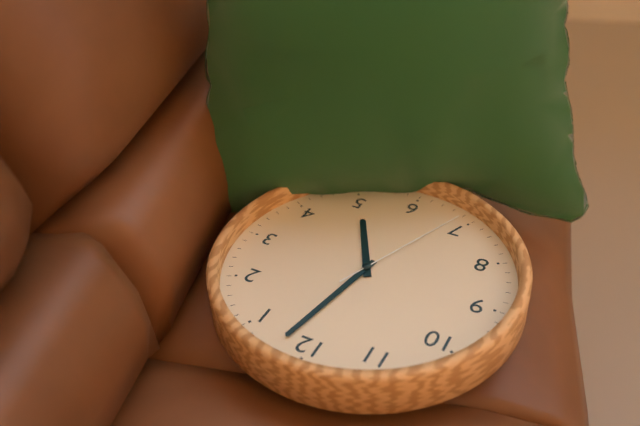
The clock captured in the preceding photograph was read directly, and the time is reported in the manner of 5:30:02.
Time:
5:02:34
